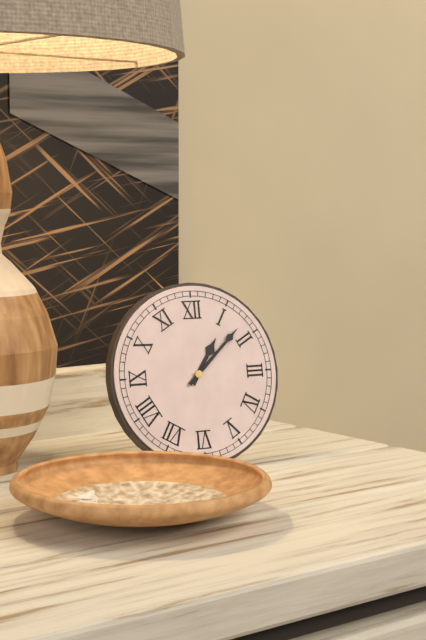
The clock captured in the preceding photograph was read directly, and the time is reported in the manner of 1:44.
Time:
1:08
